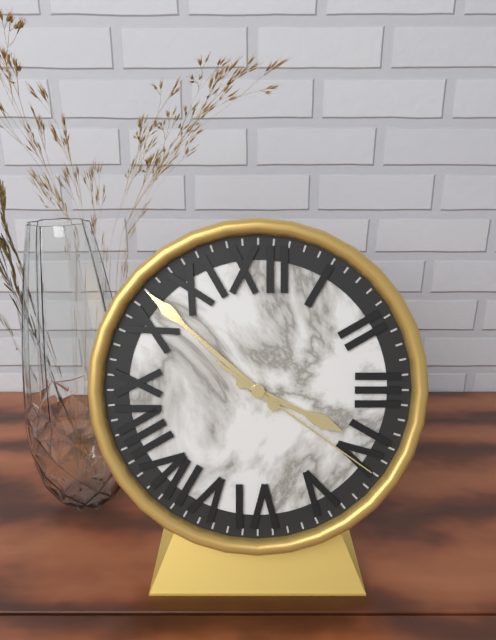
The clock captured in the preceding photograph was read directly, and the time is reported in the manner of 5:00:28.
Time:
3:52:21
